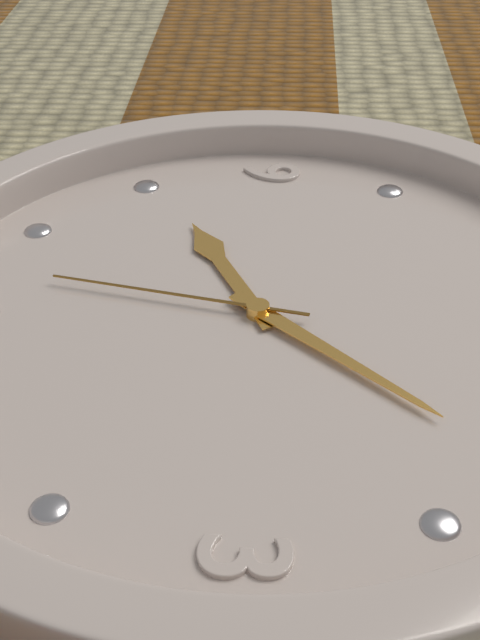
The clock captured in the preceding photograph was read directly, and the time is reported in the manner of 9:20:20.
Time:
8:07:32
